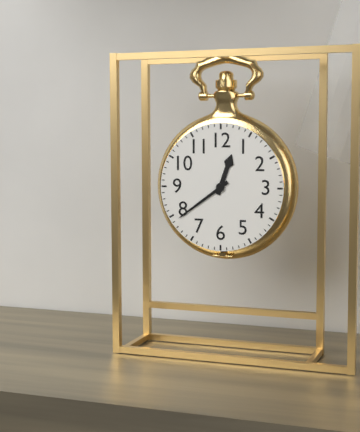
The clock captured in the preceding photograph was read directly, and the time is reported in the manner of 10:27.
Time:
12:39
